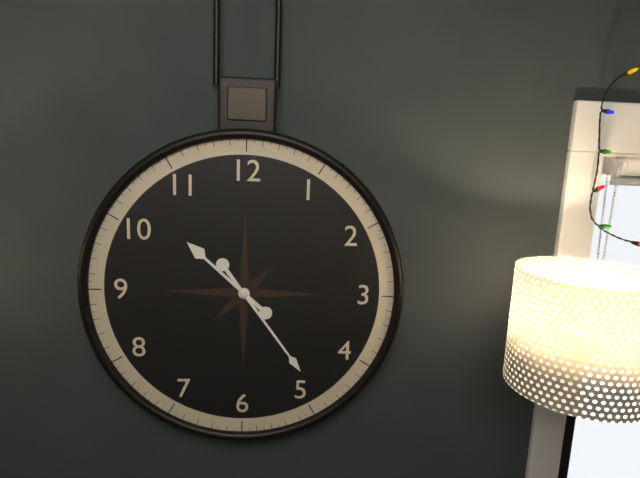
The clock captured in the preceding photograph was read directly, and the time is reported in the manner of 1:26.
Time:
10:24
